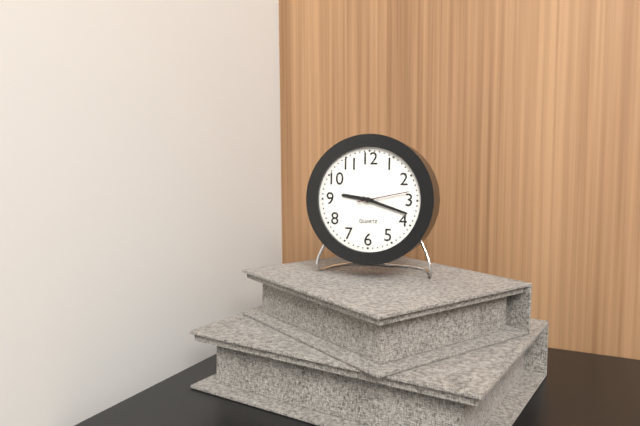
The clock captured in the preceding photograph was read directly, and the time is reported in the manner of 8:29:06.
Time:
9:18:13
